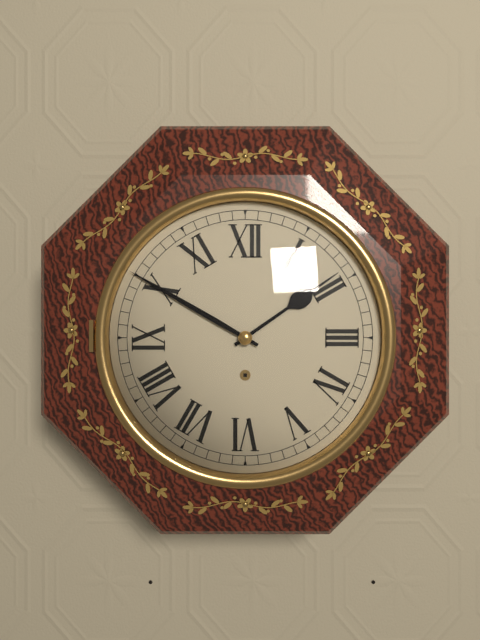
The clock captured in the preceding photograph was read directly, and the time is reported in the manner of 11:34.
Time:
1:50
